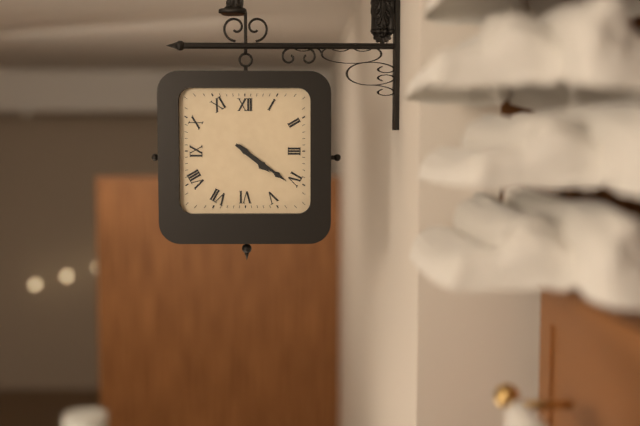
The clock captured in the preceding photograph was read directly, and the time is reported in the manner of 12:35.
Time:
4:21
